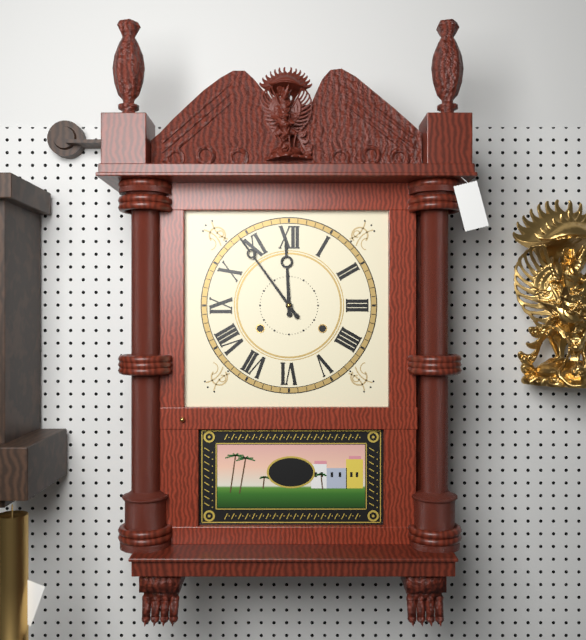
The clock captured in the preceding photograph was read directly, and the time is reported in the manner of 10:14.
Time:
11:54
